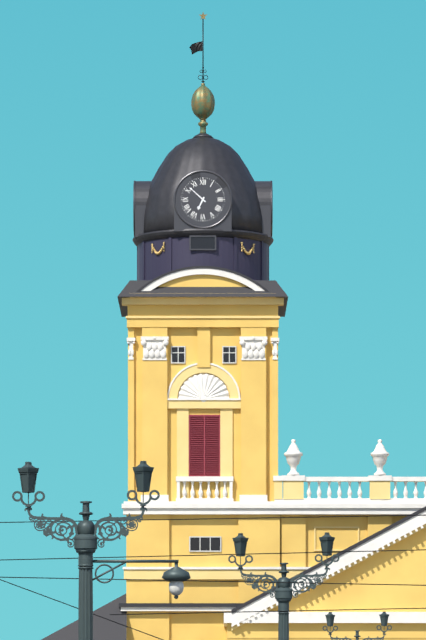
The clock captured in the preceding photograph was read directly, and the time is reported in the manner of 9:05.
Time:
6:52
